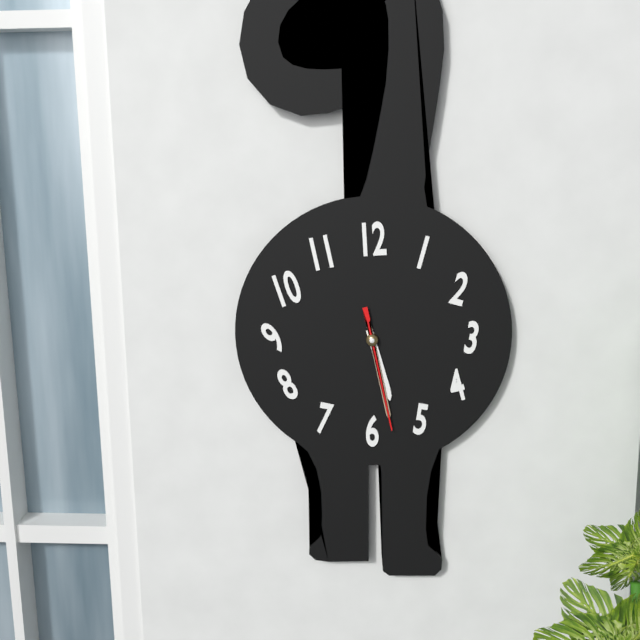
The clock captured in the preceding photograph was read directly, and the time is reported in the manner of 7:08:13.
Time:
5:28:28
